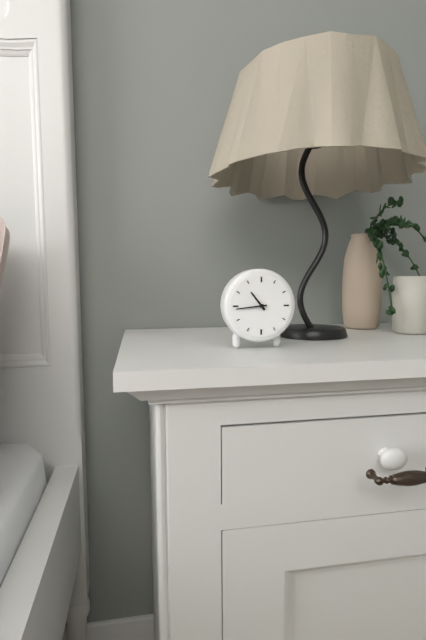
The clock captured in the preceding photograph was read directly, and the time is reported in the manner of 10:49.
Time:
10:44
